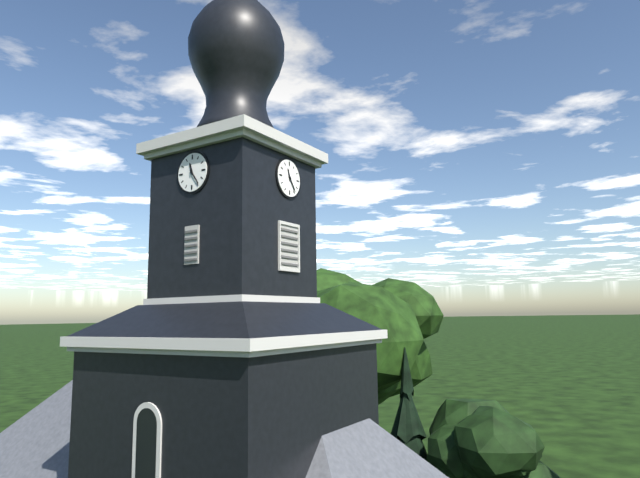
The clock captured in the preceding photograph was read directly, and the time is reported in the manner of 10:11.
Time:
11:24
